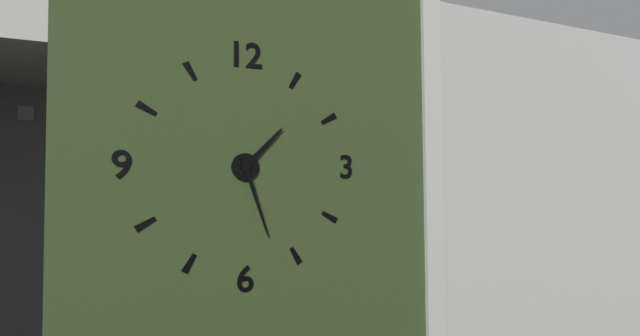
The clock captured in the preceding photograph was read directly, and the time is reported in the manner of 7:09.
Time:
1:27
